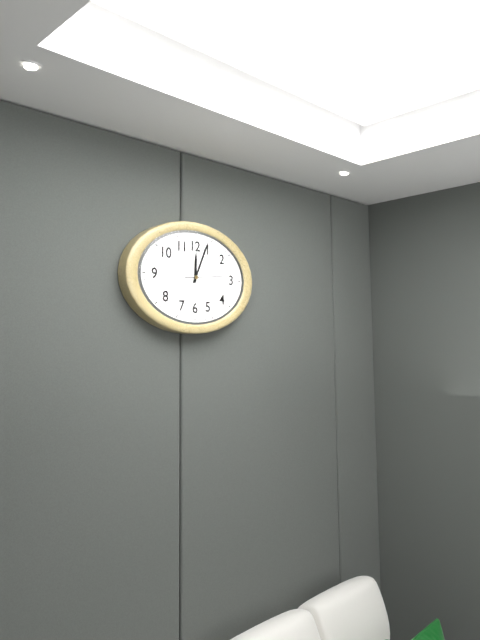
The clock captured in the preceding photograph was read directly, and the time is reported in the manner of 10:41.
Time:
12:04
